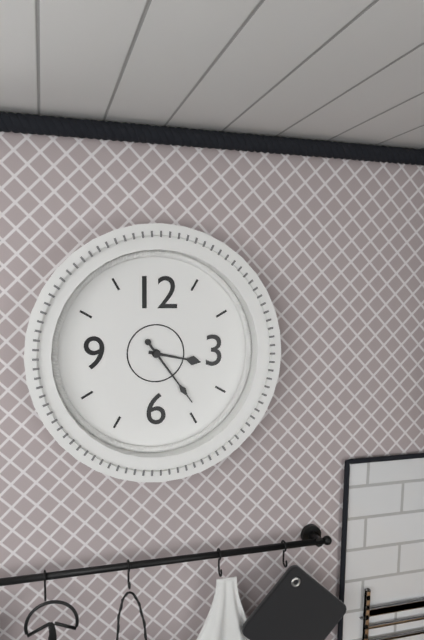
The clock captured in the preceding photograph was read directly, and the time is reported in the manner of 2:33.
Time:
3:24
